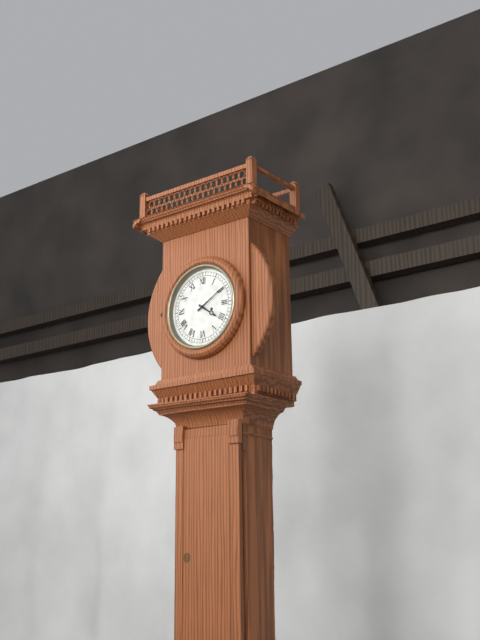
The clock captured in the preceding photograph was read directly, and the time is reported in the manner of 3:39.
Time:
4:10
